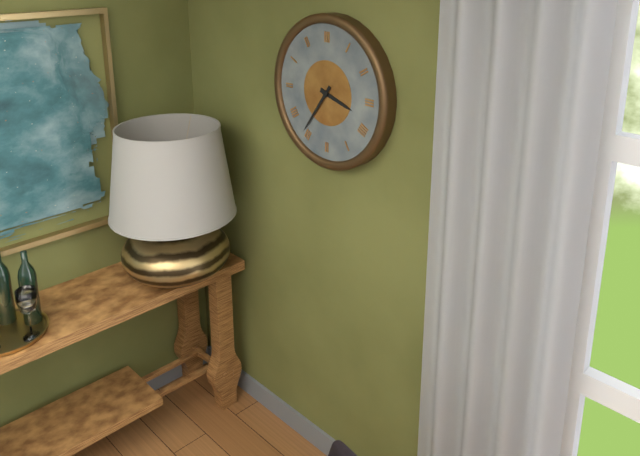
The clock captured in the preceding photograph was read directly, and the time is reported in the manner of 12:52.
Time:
3:36
